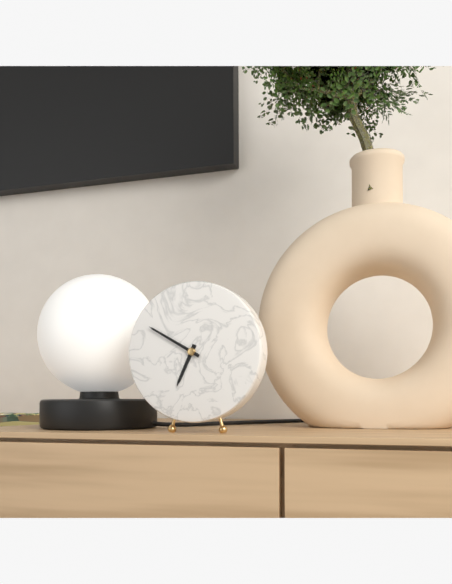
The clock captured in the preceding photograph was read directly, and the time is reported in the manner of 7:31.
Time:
6:50
